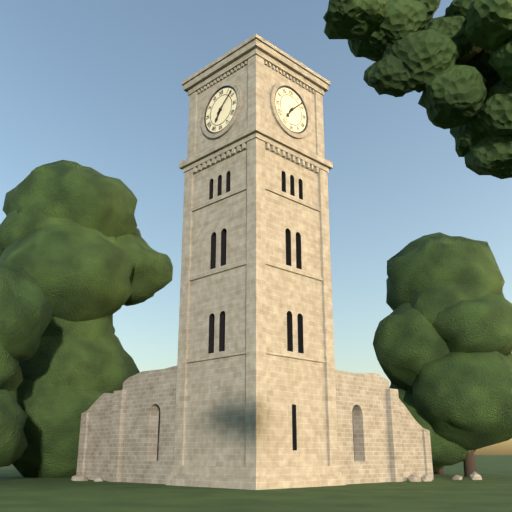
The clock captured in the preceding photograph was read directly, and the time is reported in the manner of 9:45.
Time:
7:08
